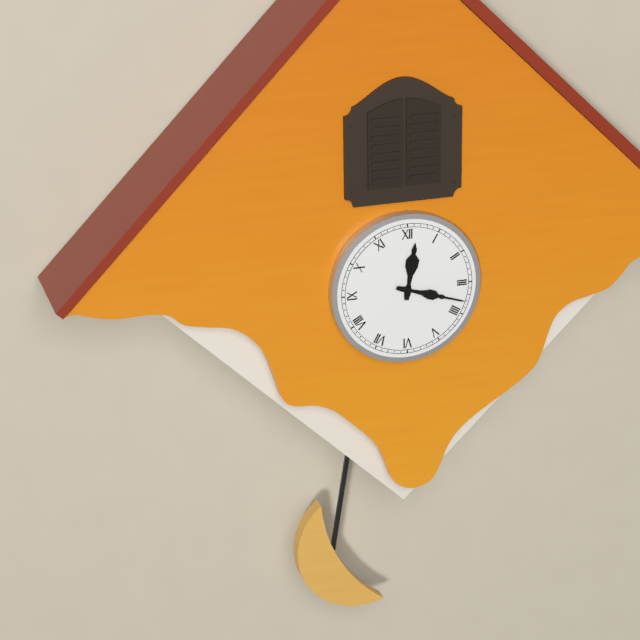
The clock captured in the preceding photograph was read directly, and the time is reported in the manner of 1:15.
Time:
12:18
